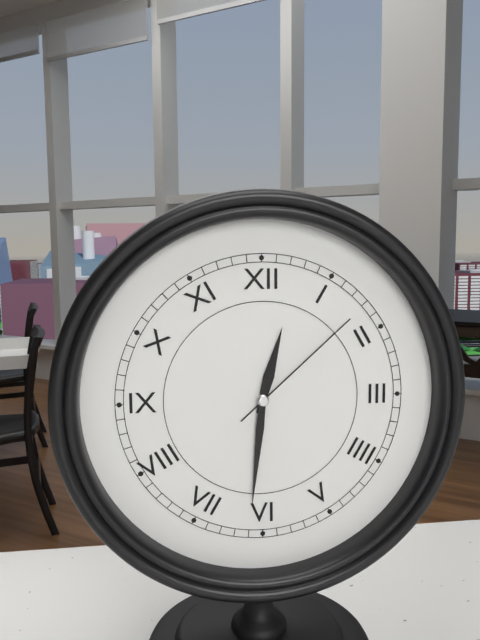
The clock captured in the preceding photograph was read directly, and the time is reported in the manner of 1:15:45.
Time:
12:31:08
